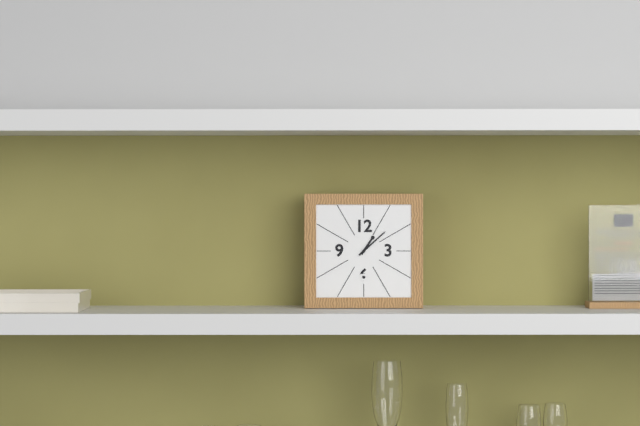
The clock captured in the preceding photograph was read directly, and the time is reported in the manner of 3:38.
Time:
1:08
